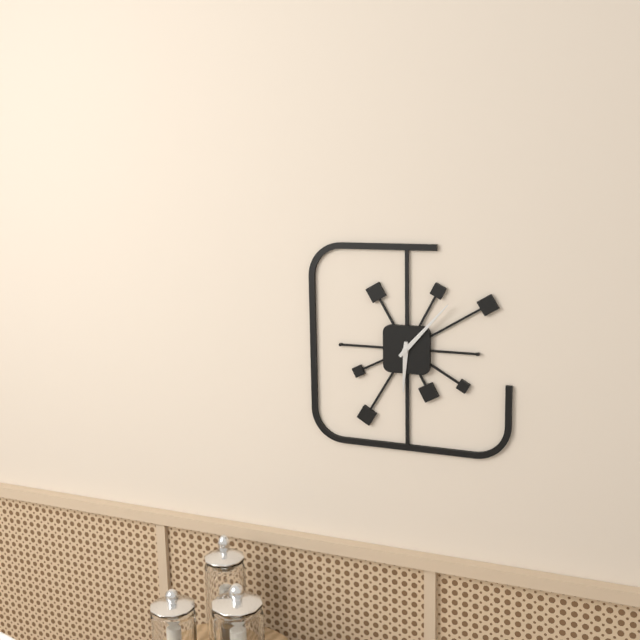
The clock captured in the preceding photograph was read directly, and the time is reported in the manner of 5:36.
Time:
6:07
